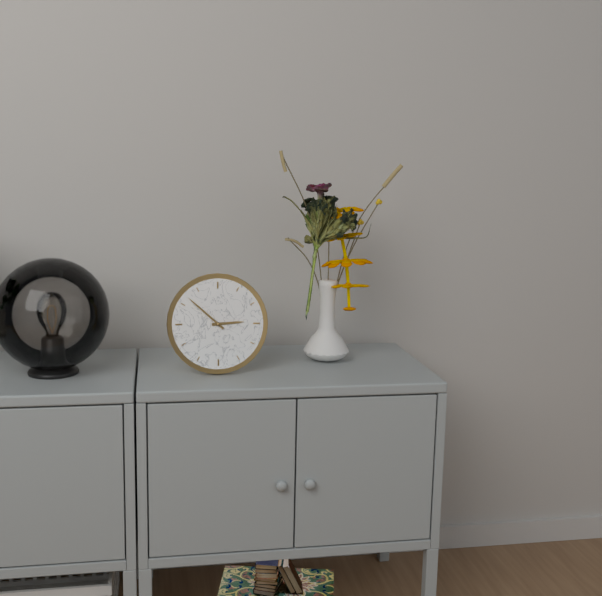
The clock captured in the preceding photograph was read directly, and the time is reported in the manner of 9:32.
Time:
2:52
